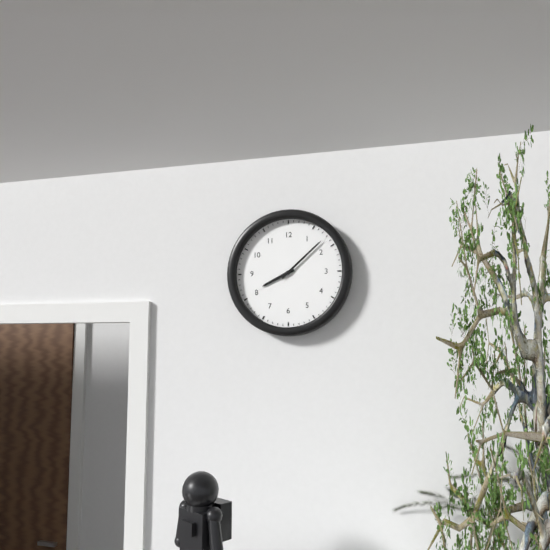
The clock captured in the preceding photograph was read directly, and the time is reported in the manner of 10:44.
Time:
8:08
